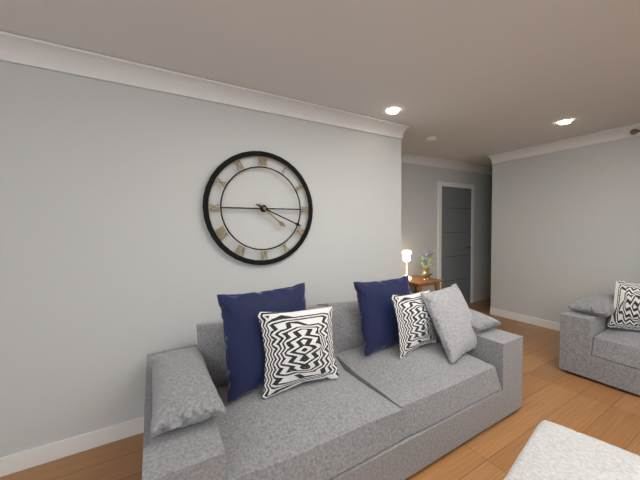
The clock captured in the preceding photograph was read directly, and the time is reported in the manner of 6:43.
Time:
4:19
